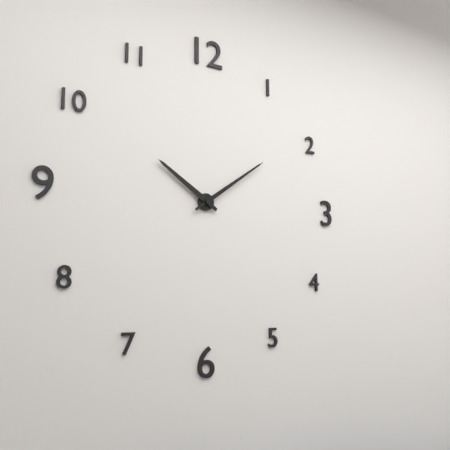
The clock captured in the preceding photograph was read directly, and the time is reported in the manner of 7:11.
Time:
10:09
